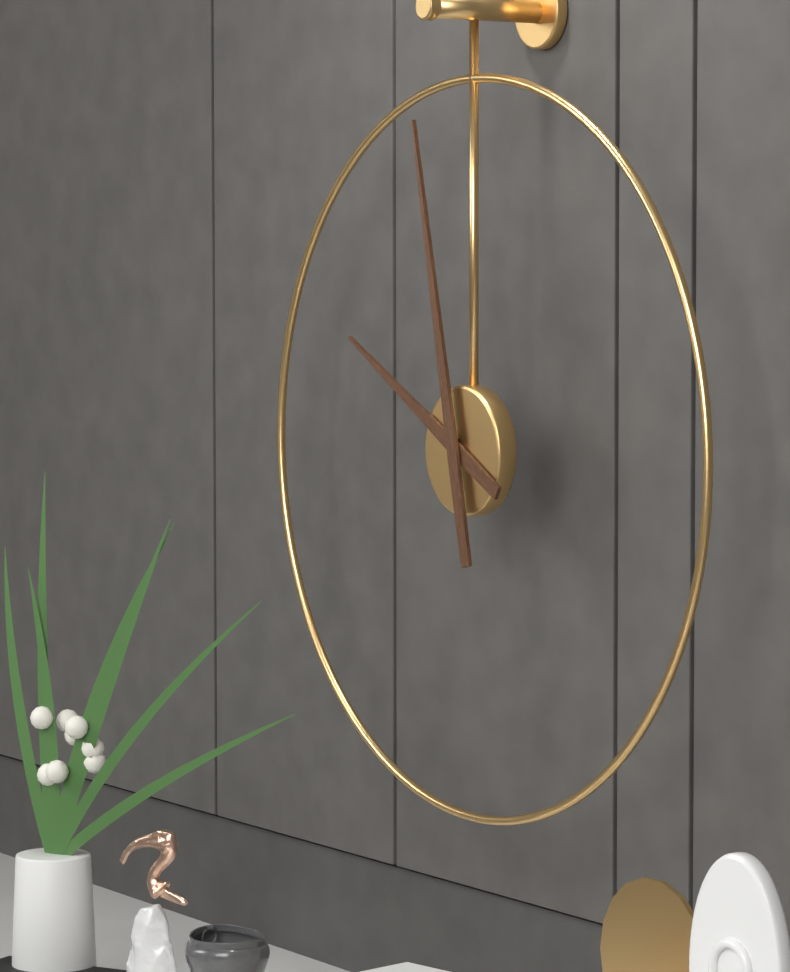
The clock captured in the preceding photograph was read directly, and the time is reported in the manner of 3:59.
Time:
9:58
